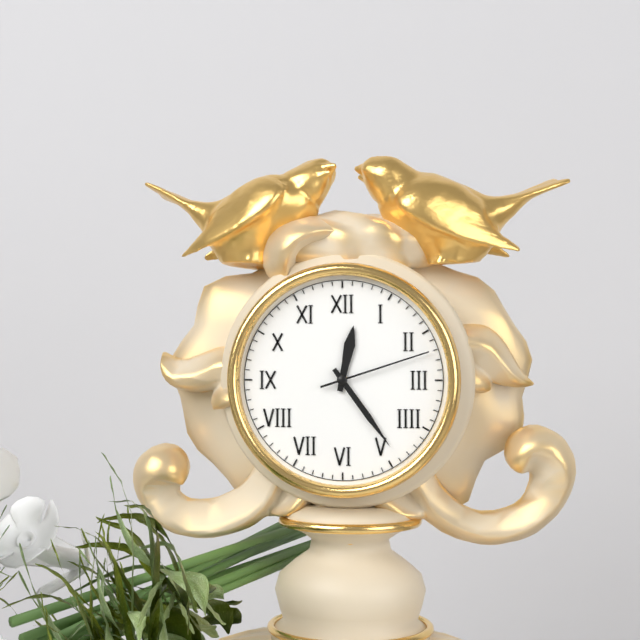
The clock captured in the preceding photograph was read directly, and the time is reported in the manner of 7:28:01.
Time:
12:24:12
